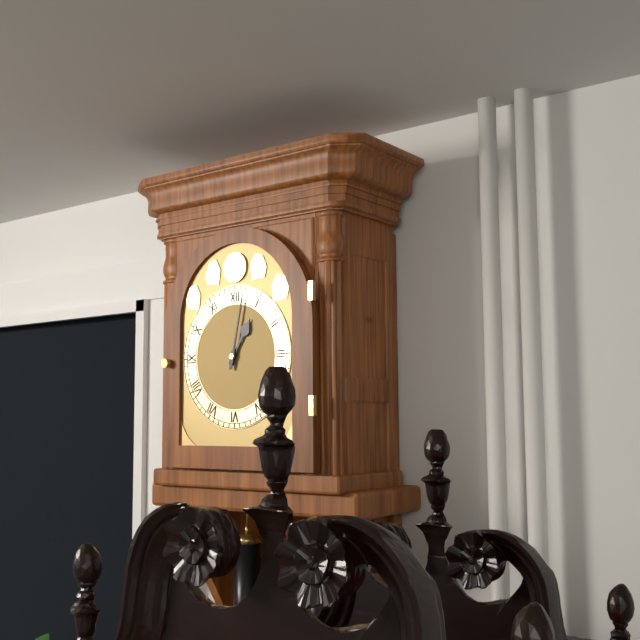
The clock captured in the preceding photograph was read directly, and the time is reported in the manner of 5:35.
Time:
1:02
